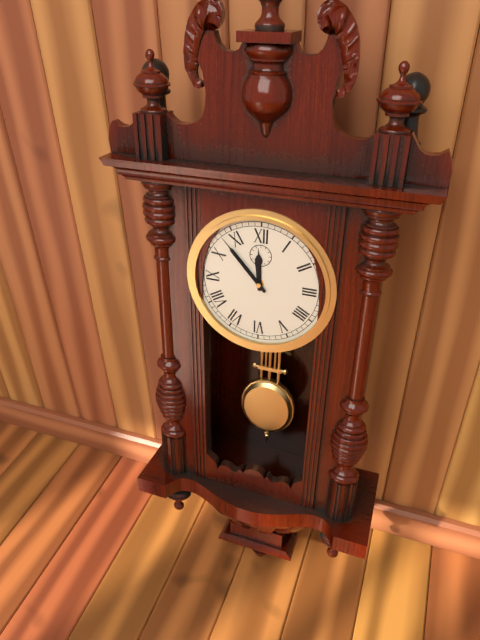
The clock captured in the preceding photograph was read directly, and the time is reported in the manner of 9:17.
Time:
11:53
